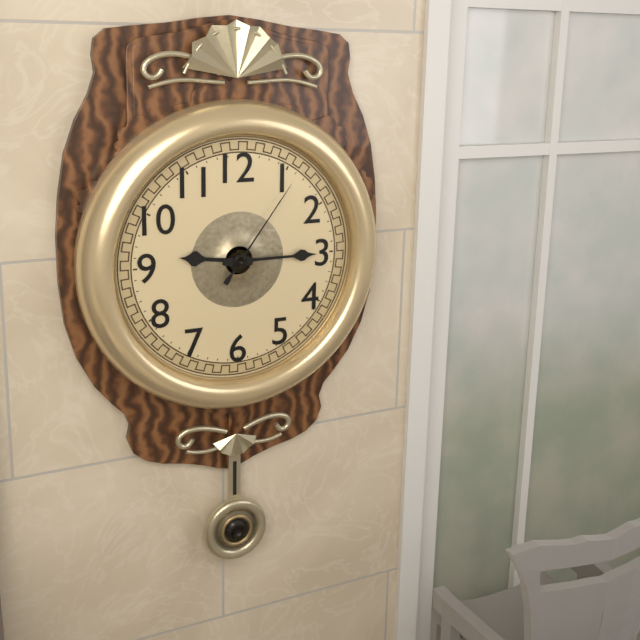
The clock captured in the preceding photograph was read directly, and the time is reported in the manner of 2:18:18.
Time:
9:15:06
